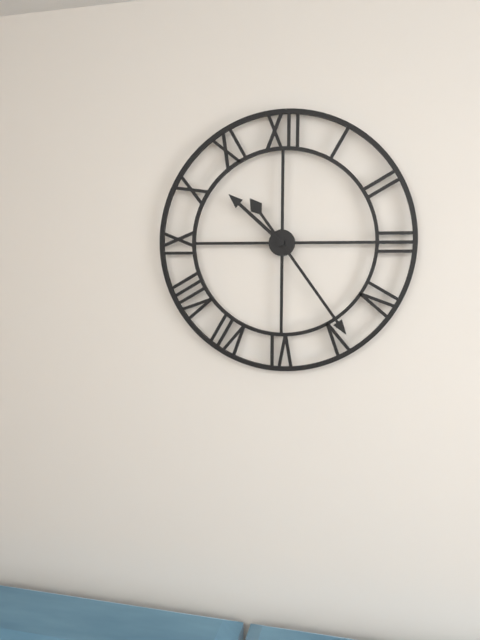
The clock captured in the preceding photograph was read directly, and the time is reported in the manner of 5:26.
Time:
10:24
